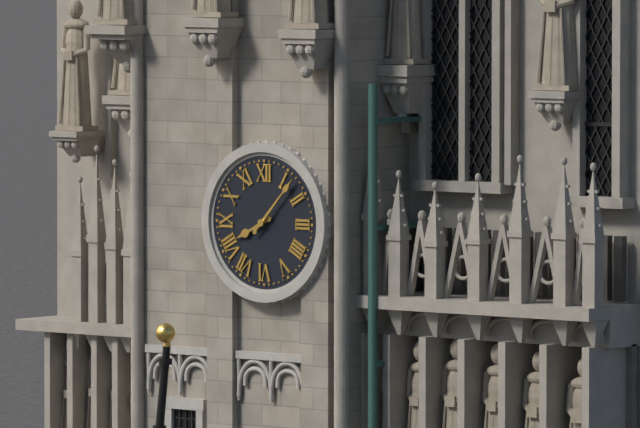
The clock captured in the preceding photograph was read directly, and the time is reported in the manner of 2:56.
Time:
8:07
